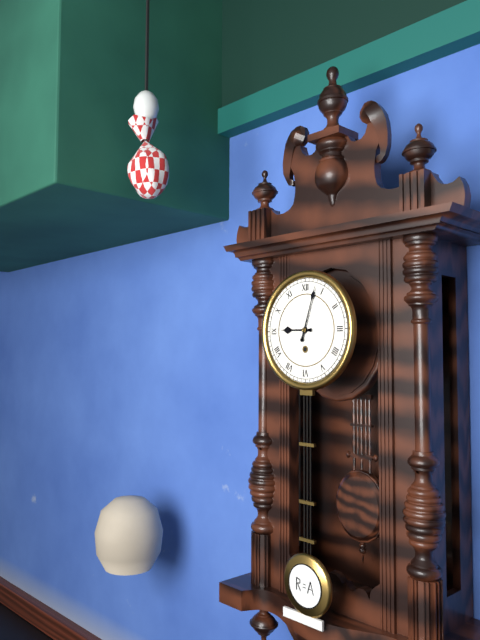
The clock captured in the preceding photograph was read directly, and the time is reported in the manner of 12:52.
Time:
9:03
